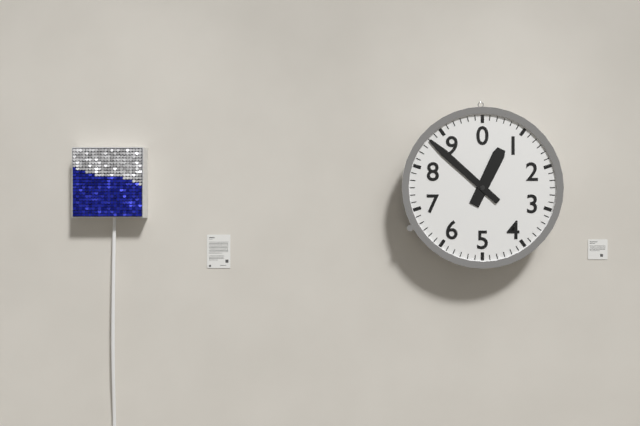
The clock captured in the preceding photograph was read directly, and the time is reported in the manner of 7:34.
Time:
12:52
